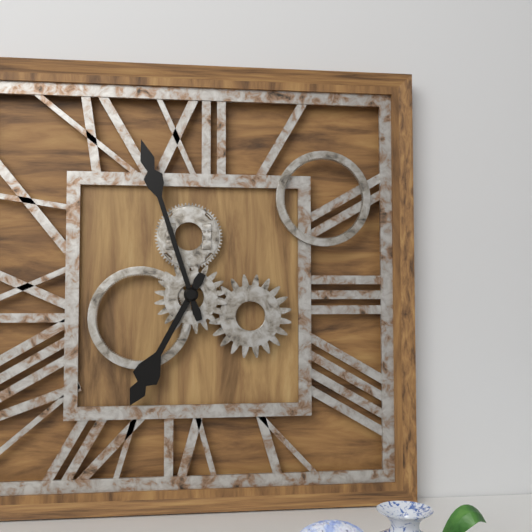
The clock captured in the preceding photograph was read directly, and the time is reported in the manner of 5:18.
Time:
6:57
